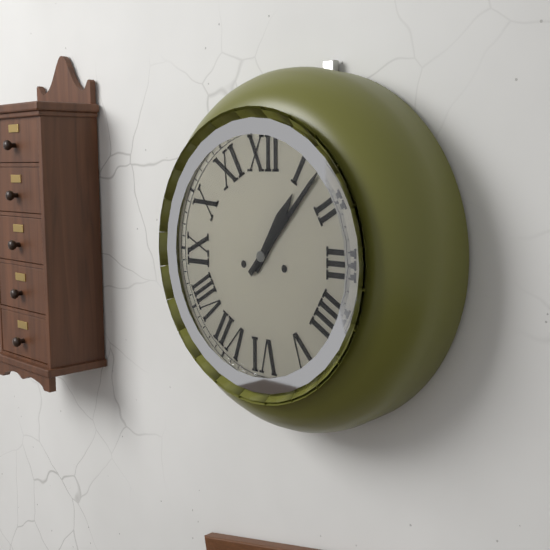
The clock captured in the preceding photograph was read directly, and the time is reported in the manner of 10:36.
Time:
1:07
